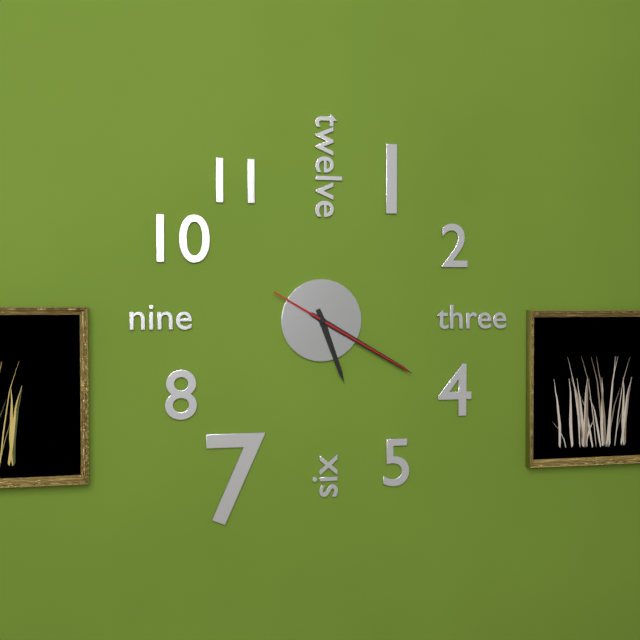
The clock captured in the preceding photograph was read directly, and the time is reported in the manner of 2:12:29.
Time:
5:20:20
